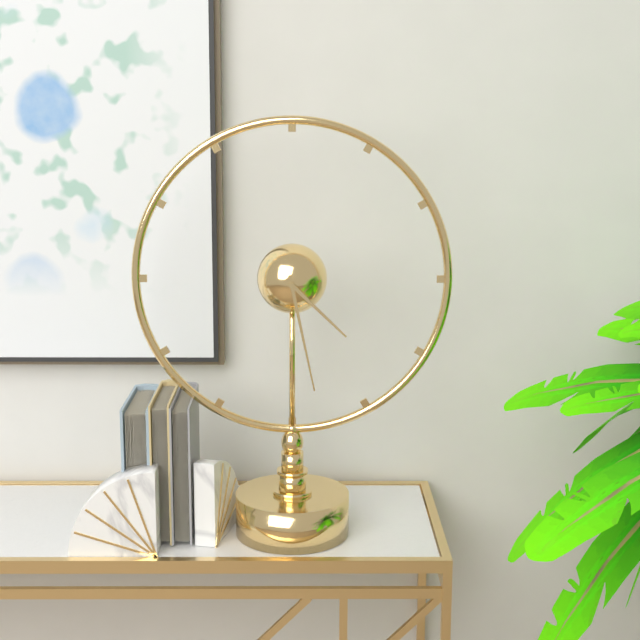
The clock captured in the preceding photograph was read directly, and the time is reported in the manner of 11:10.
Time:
4:28
